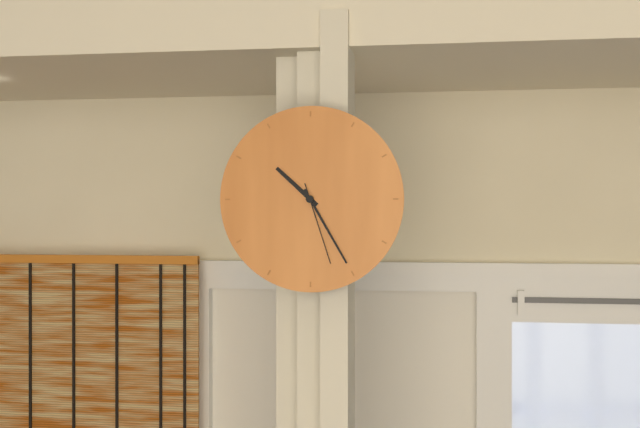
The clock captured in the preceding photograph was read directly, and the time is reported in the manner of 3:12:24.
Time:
10:25:27
